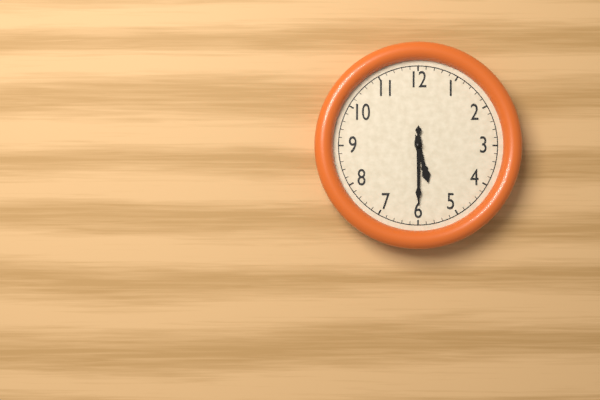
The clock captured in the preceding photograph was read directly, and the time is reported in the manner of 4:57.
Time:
5:30
